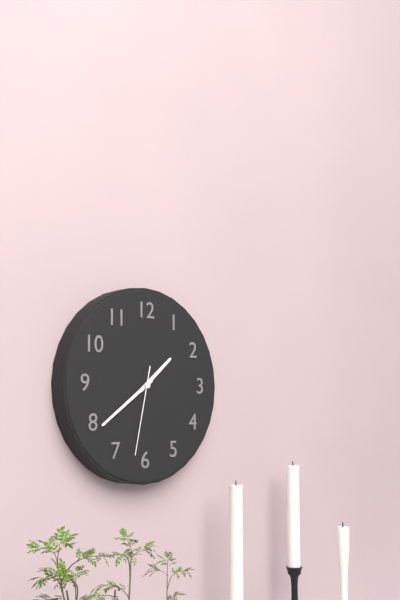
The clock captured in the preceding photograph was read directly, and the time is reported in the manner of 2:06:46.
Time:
1:39:32
